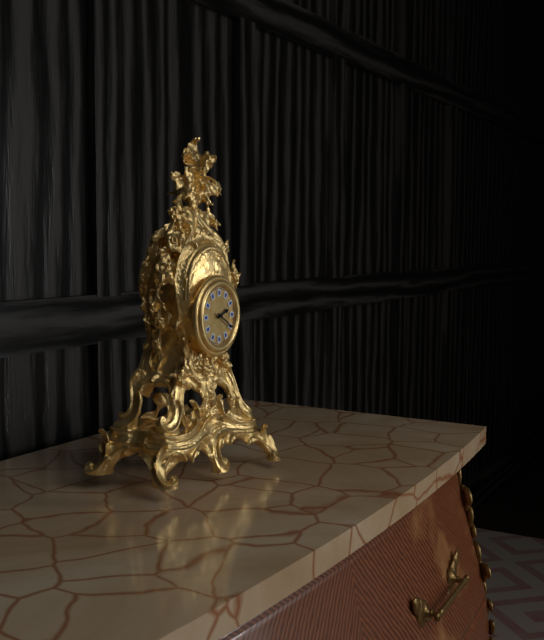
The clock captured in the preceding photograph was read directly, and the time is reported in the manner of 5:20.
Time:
2:20
